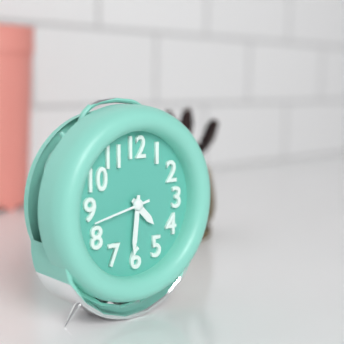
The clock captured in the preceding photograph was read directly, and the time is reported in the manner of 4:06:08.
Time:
4:31:43
